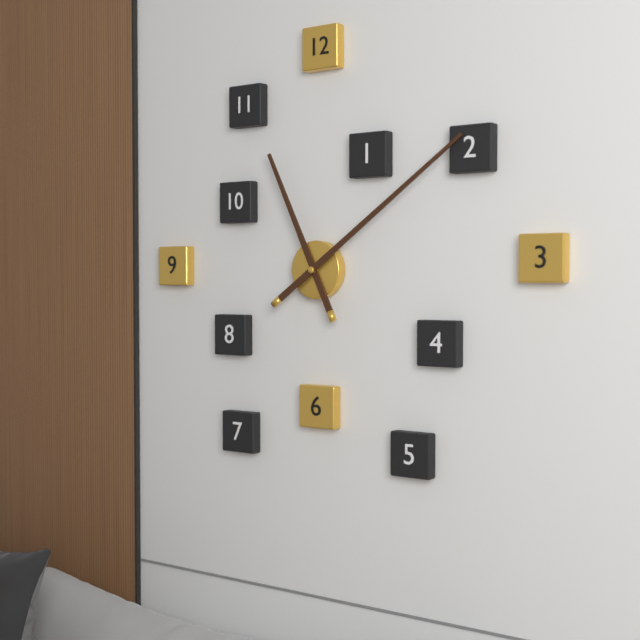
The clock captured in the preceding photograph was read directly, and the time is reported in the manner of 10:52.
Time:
11:09
